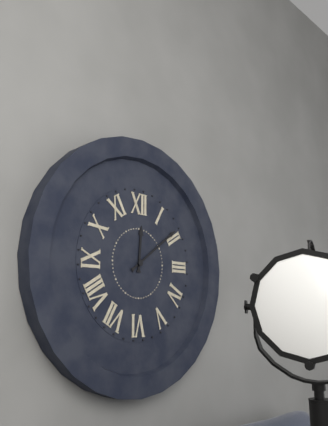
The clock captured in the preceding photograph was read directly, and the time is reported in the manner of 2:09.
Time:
12:09
